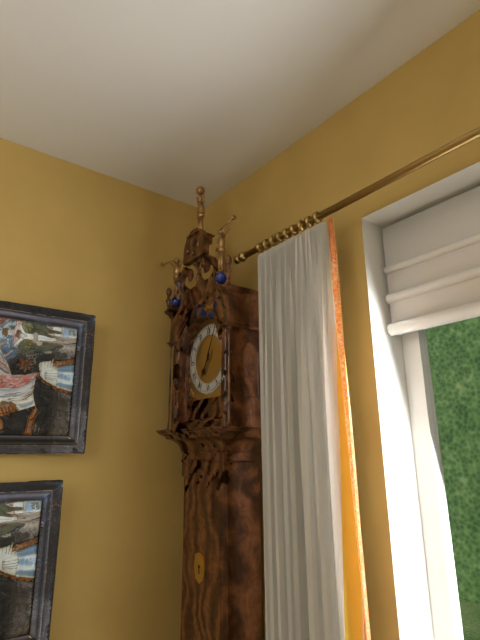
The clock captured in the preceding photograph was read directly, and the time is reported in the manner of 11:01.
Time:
7:04
